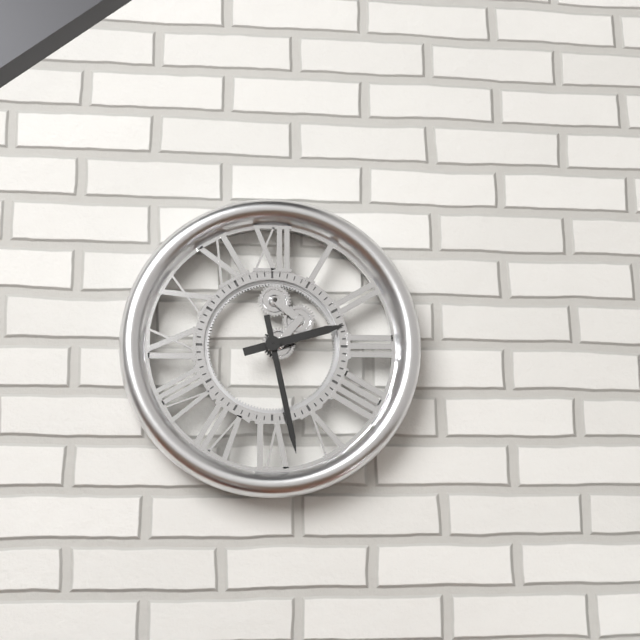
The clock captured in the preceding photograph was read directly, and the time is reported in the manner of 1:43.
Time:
2:28
